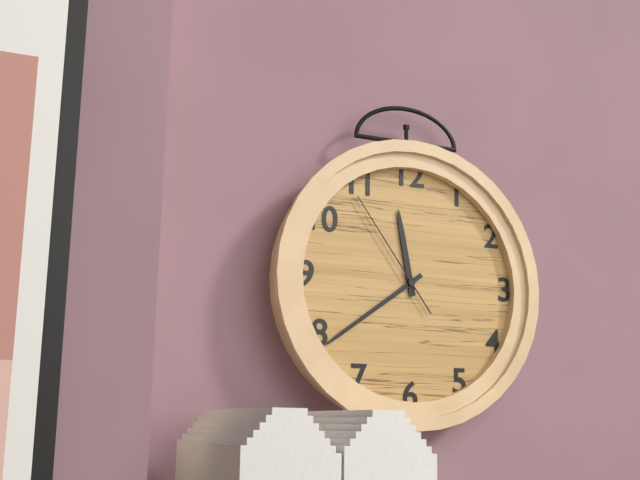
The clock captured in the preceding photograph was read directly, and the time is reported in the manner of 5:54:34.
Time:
11:39:54
